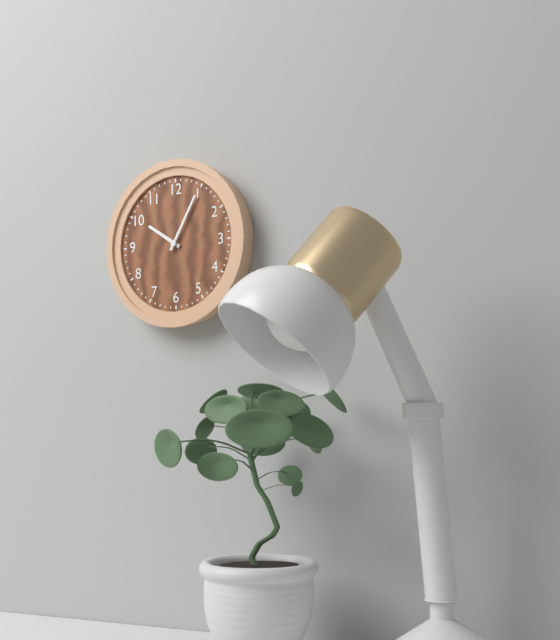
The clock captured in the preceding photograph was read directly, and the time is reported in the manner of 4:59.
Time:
10:05
